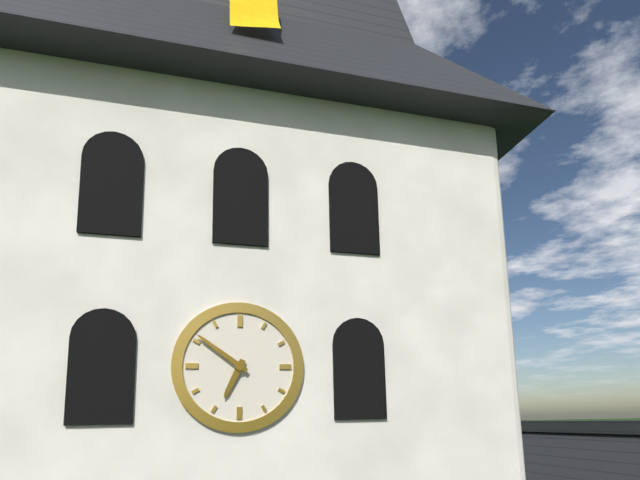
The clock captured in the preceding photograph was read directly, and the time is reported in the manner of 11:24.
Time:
6:51
